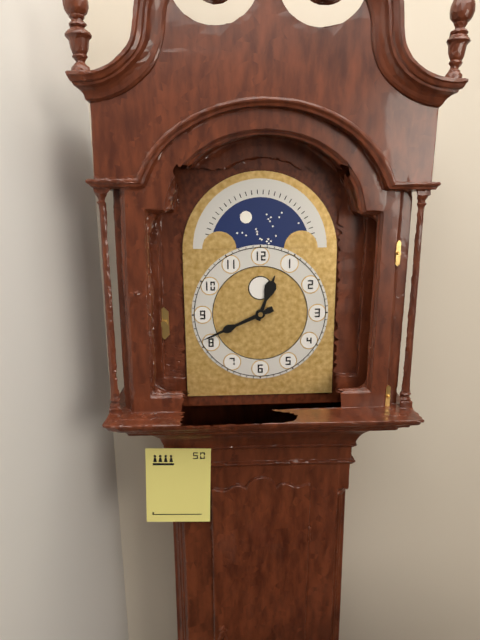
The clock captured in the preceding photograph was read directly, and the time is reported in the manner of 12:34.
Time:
12:41
